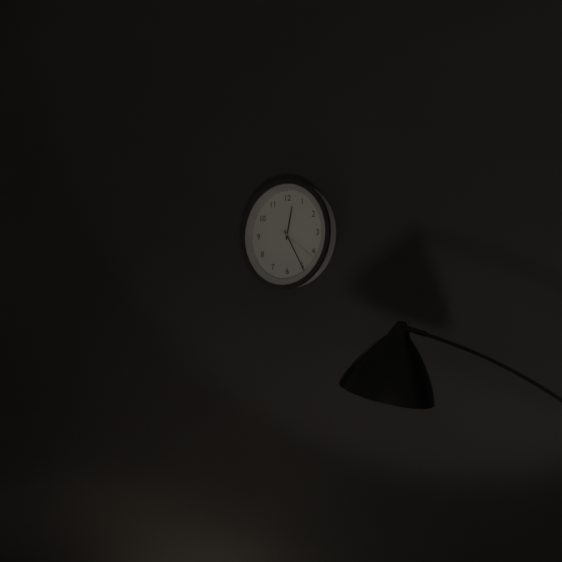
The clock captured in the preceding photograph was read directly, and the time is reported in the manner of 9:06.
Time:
12:25
